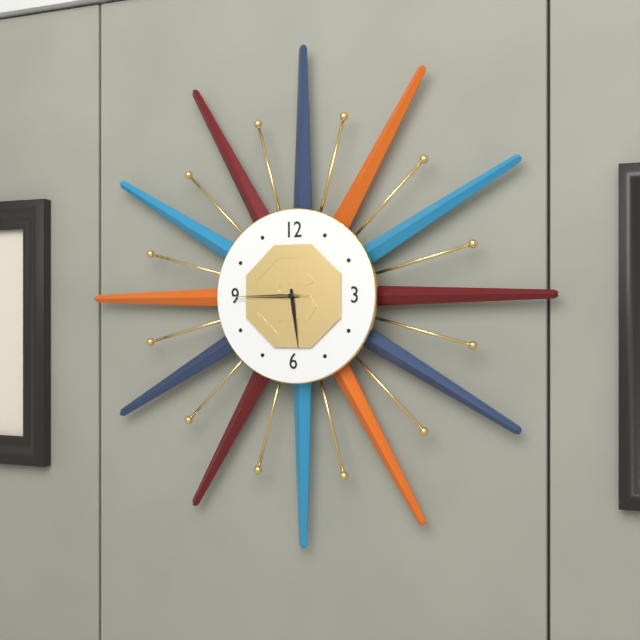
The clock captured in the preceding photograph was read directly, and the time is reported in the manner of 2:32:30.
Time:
5:45:45
